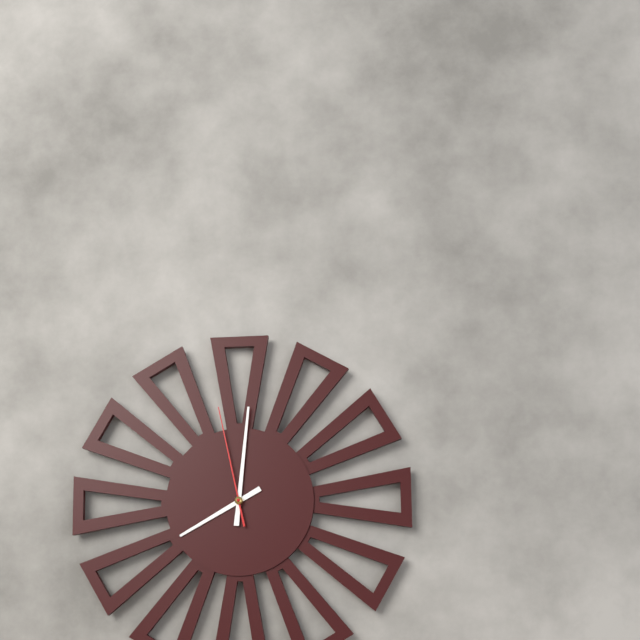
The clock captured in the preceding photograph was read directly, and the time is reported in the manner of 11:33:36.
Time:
8:01:58
